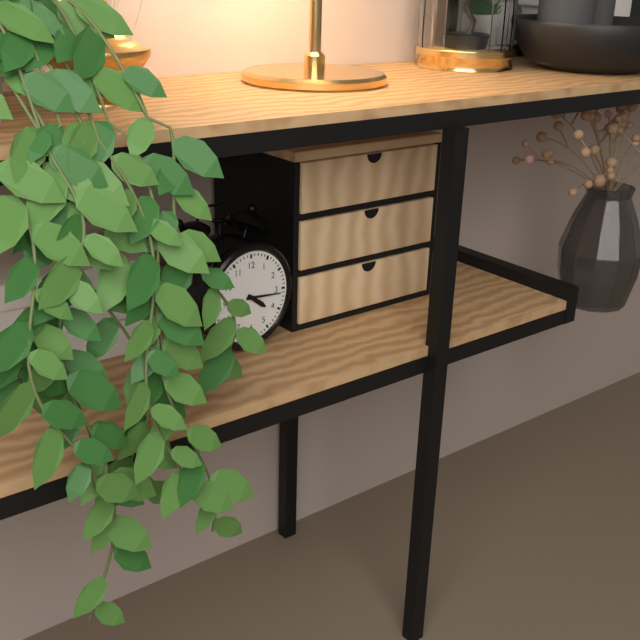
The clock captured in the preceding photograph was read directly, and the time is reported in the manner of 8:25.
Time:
4:16
